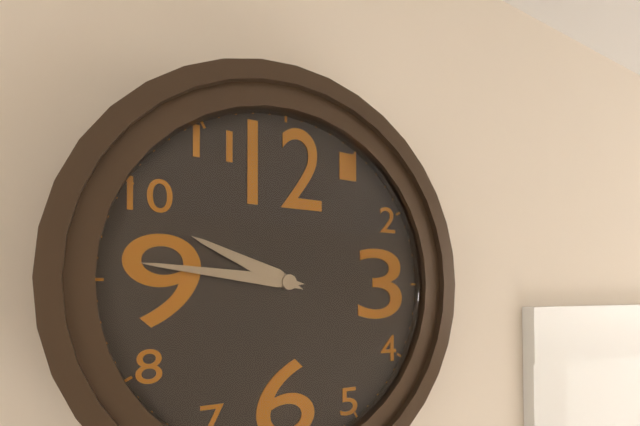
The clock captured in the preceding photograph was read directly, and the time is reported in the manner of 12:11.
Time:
9:46
